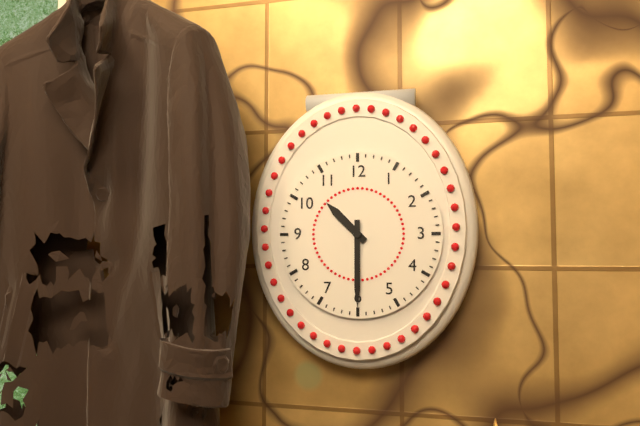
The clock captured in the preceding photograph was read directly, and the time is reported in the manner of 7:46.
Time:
10:30
